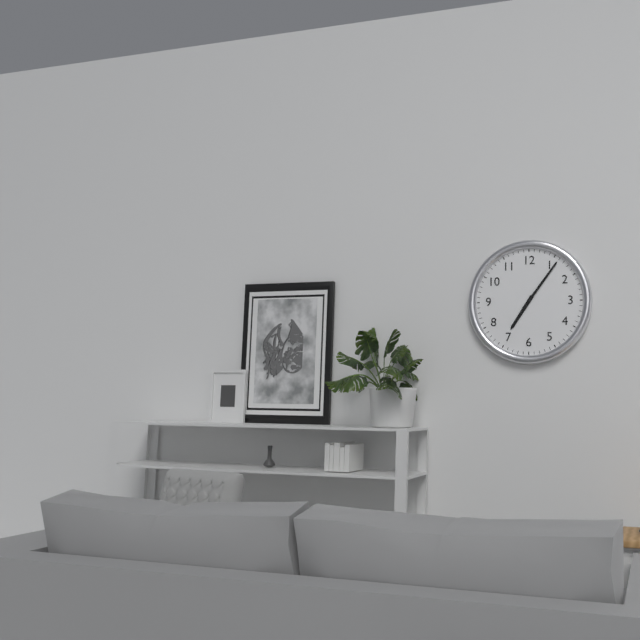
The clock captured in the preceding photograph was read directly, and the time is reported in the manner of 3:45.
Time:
7:06
